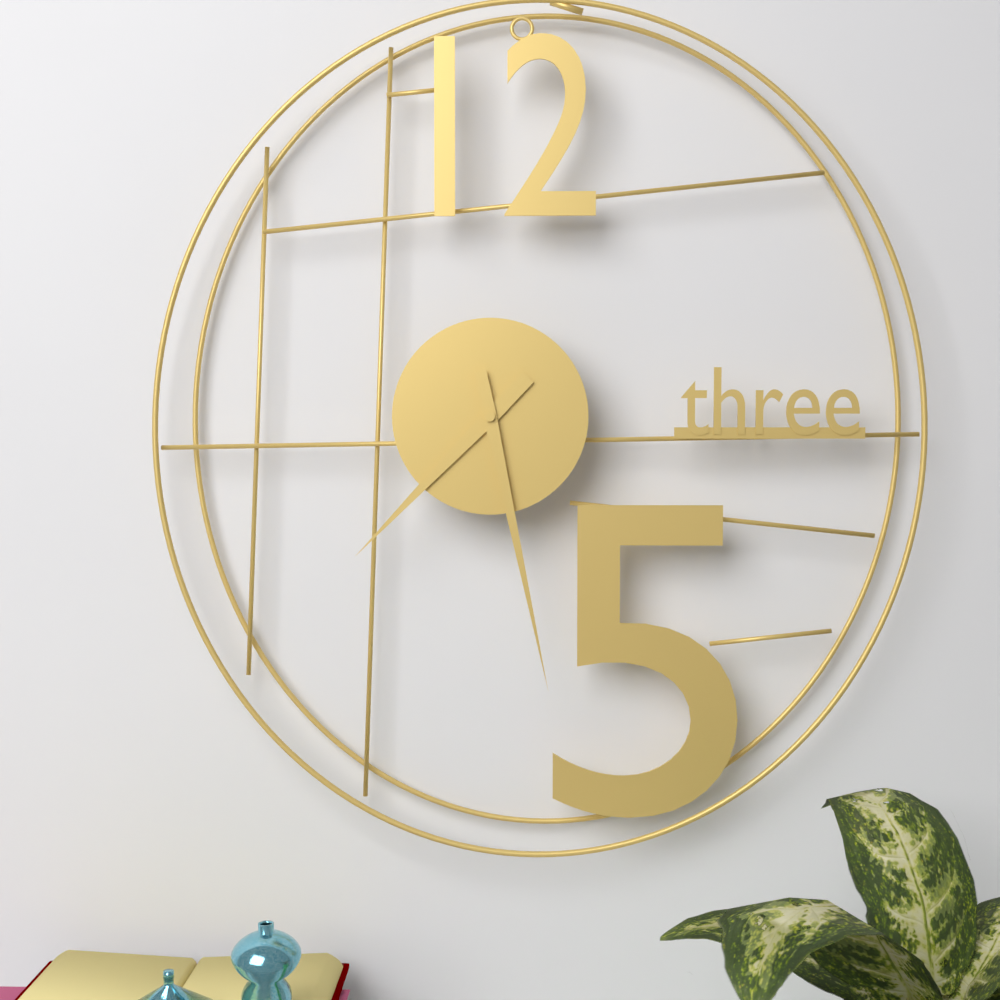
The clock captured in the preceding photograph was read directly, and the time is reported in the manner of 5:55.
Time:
7:28
